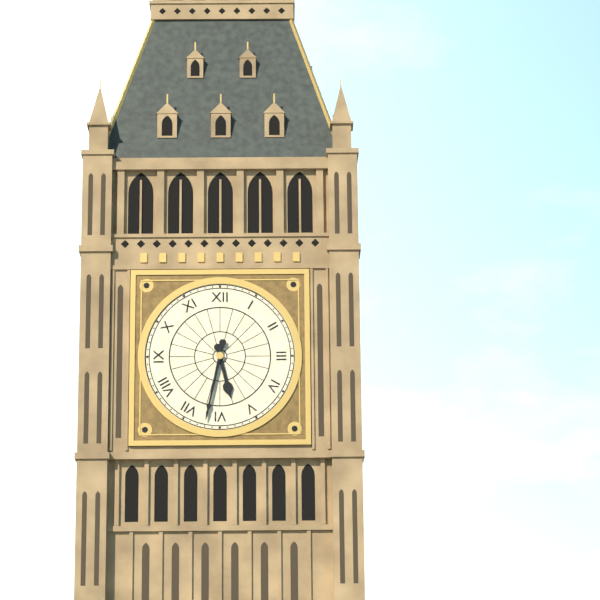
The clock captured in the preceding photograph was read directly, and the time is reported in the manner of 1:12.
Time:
5:32
